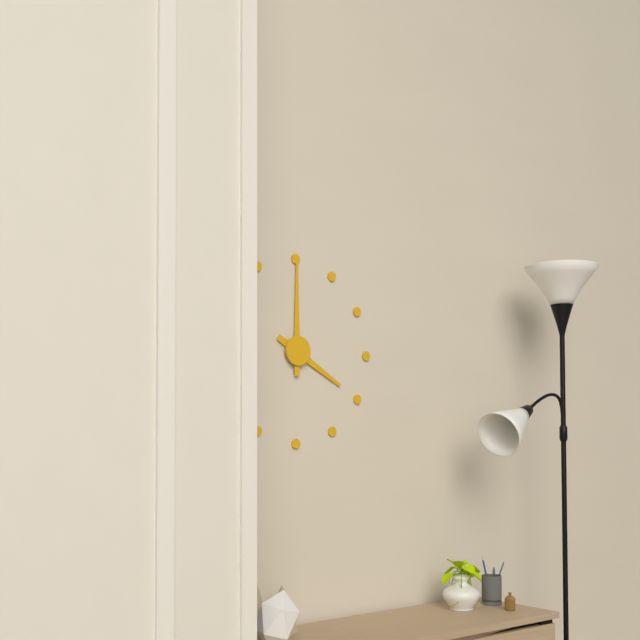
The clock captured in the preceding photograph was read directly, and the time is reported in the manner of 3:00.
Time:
4:00
